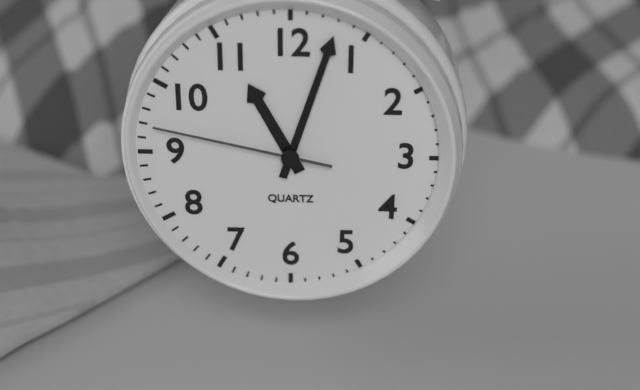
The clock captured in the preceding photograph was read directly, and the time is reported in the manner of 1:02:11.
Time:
11:03:47
